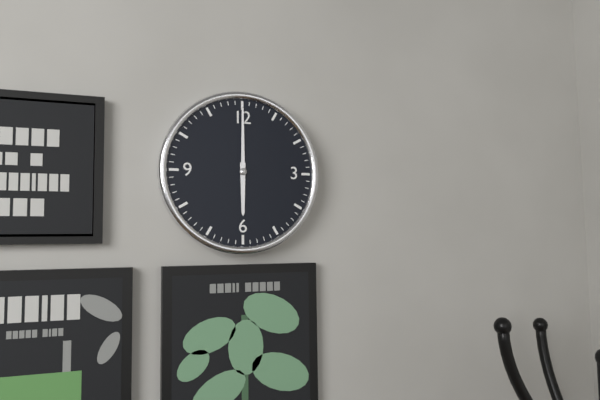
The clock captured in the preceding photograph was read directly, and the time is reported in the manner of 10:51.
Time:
6:00
